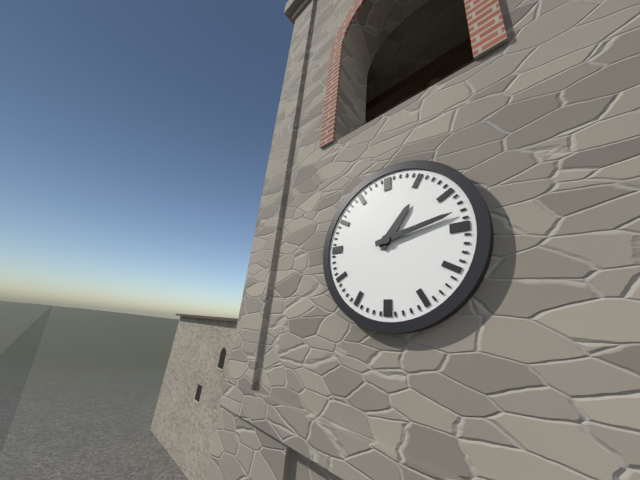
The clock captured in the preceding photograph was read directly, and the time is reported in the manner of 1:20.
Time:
1:13
